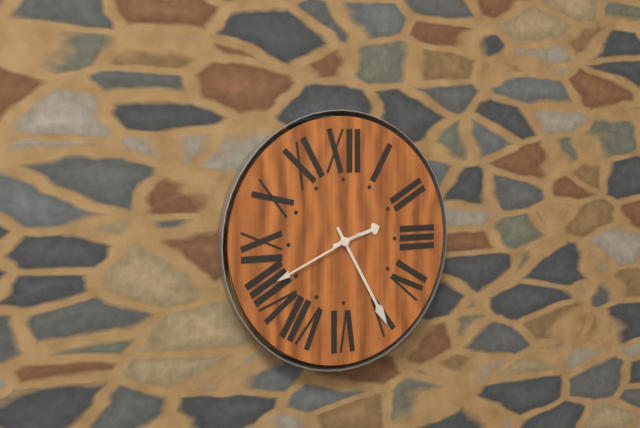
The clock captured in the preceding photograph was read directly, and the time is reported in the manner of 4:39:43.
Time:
2:25:41
